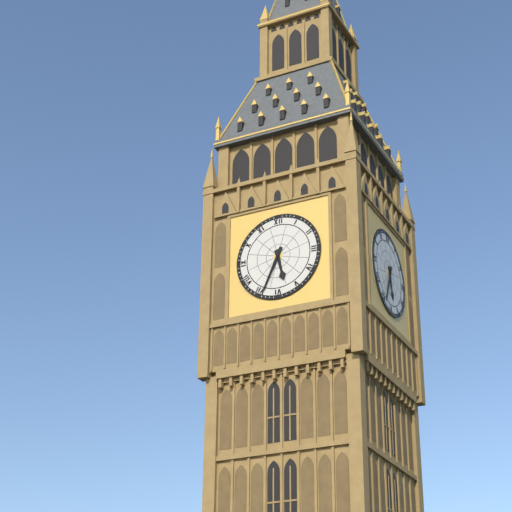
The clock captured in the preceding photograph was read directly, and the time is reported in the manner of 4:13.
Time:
5:34
